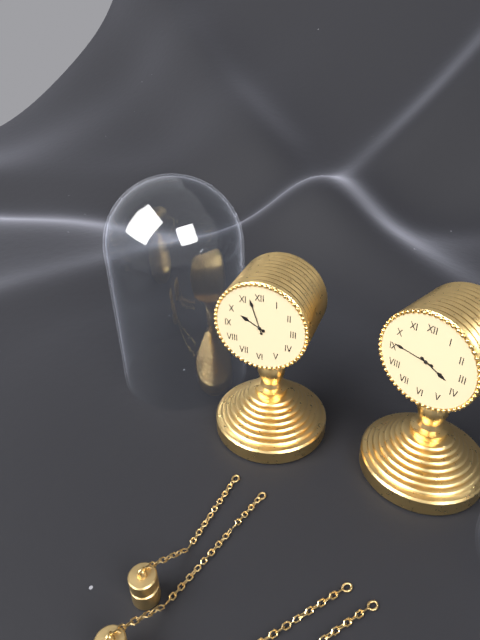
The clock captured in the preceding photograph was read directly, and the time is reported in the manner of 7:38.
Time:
9:57
